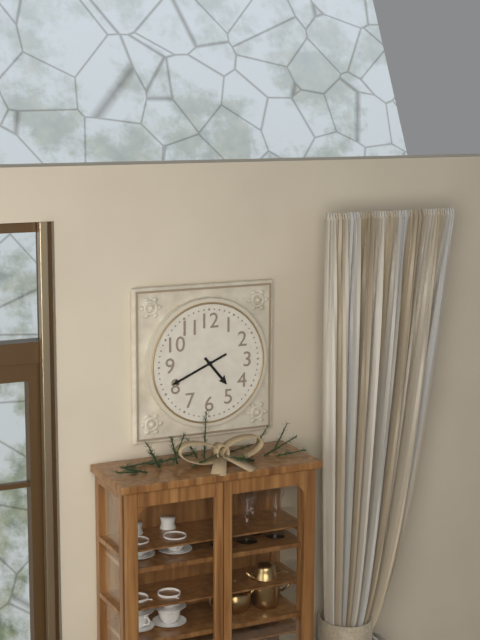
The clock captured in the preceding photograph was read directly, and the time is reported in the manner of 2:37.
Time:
4:41
